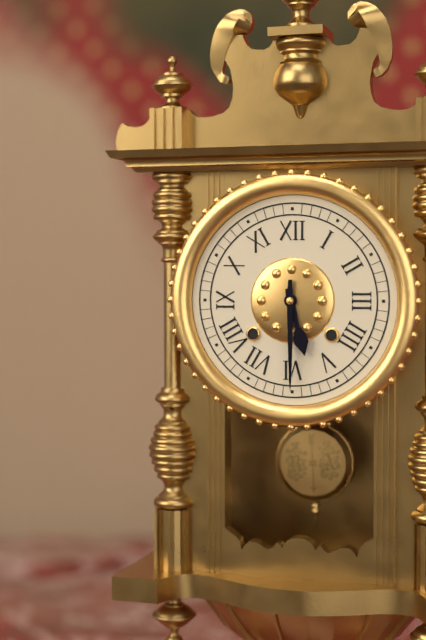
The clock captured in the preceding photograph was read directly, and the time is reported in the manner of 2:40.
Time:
5:30
